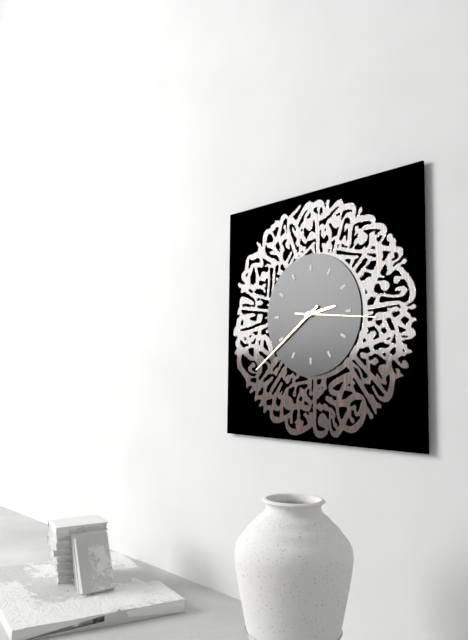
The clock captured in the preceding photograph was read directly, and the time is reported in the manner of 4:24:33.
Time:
2:39:16
